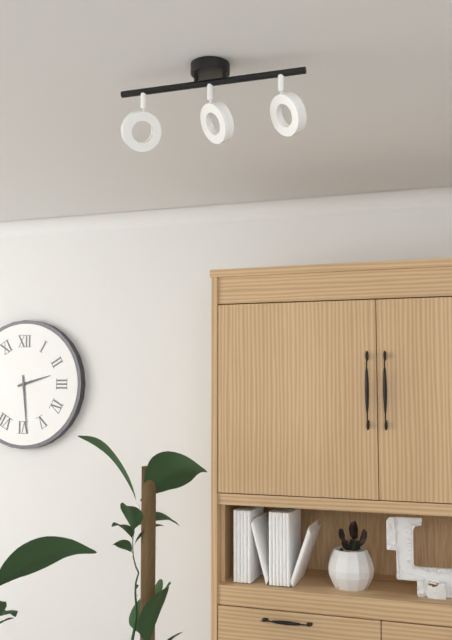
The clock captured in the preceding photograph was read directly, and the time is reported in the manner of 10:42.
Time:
2:29
